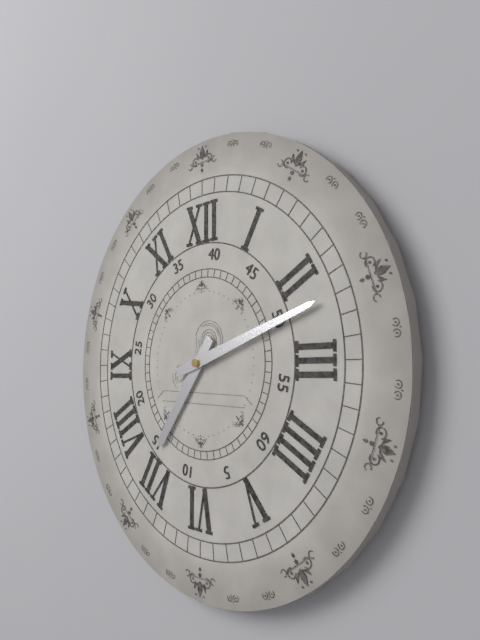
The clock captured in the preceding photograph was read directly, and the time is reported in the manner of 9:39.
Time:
7:12
